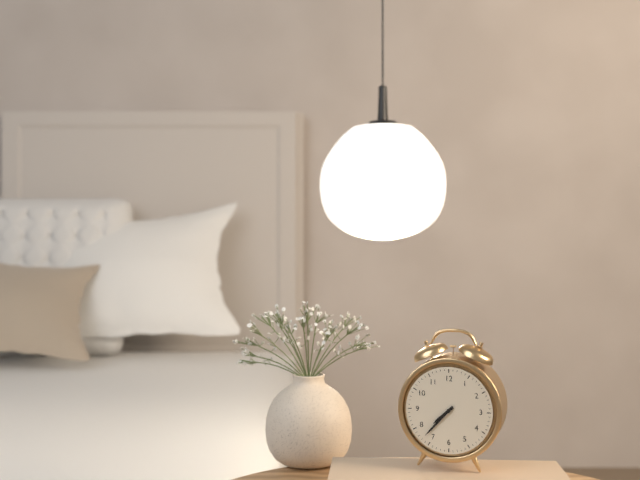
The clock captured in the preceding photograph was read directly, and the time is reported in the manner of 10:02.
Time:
7:37
